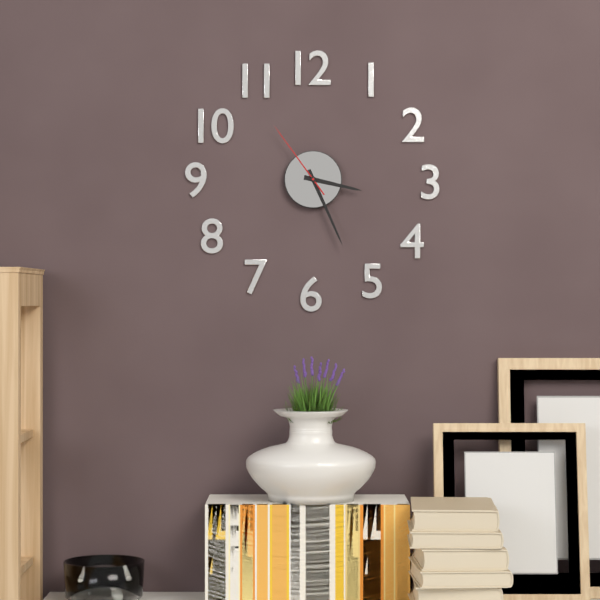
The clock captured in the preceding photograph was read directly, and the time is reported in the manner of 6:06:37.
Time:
3:26:54
